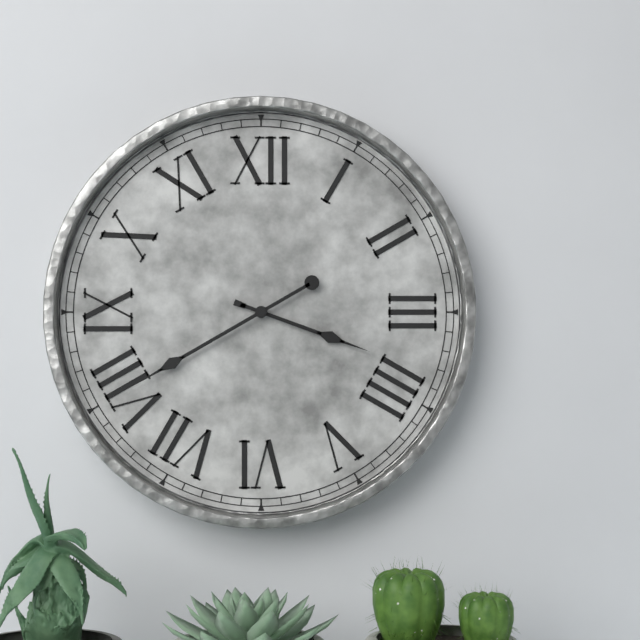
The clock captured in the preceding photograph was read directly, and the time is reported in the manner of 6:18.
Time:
3:40
